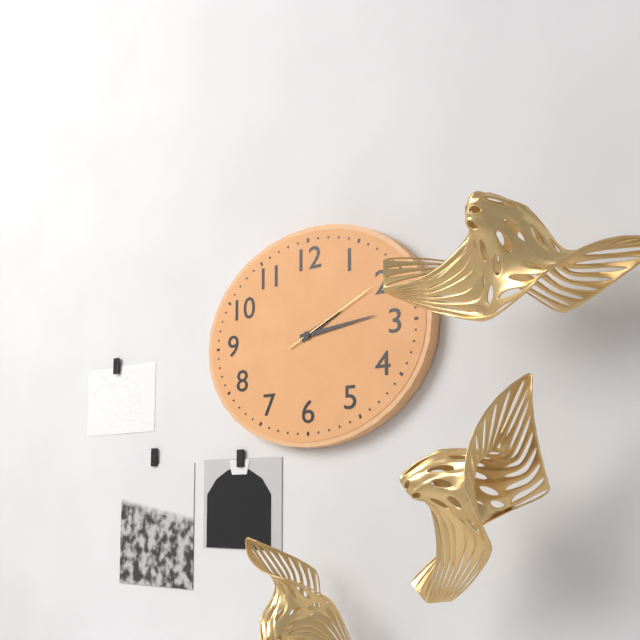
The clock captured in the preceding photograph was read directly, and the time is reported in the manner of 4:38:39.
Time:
2:14:11
